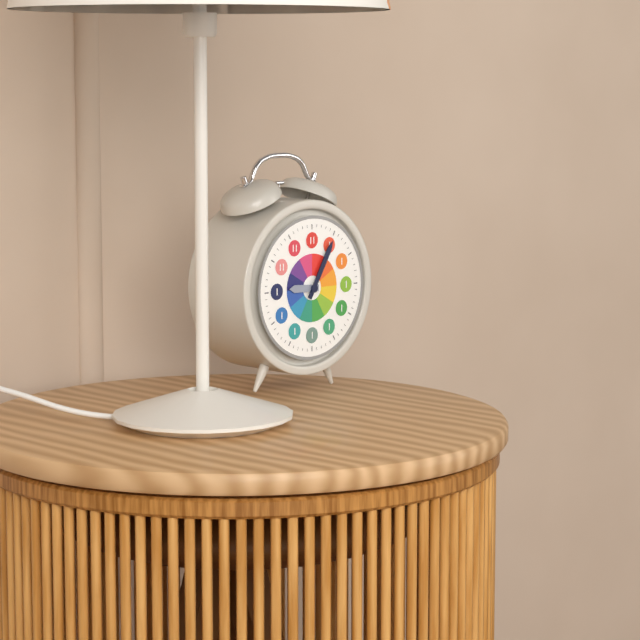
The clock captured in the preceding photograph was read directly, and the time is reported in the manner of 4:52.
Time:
9:05
